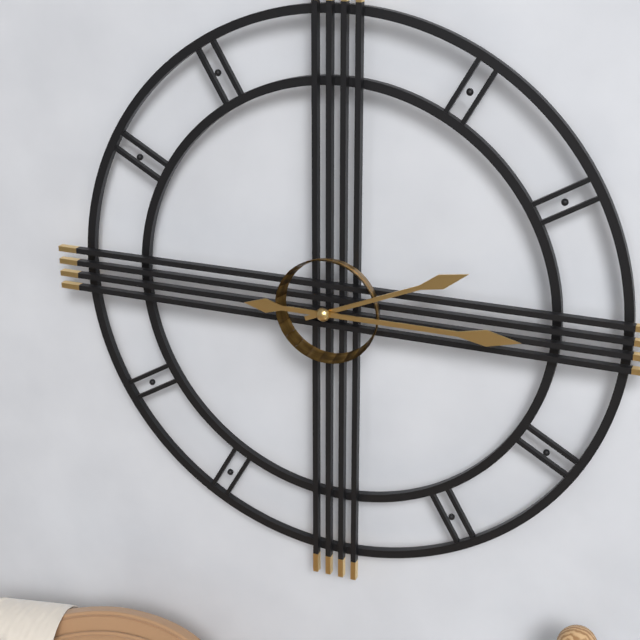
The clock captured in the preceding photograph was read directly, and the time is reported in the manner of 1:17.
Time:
2:15
